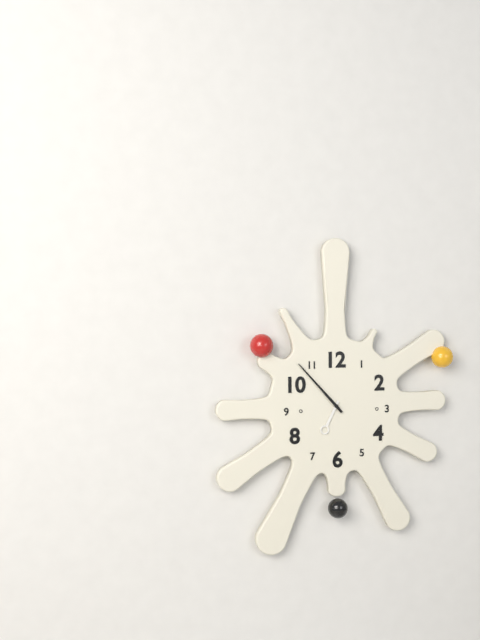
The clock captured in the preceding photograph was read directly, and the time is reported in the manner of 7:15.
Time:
6:53
